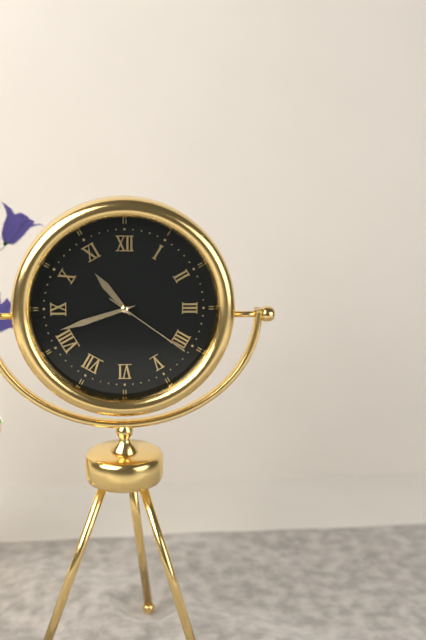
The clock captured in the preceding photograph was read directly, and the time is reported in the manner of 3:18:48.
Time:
10:42:21
